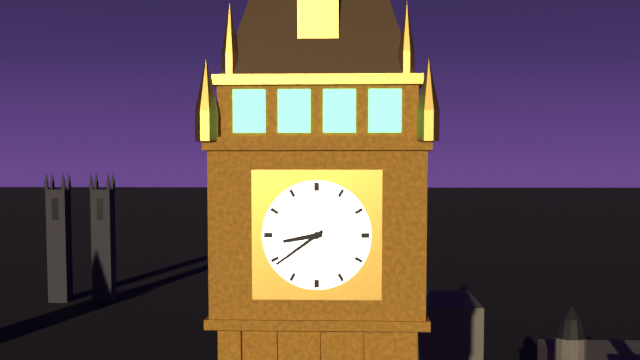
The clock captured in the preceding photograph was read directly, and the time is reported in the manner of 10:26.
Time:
8:39
